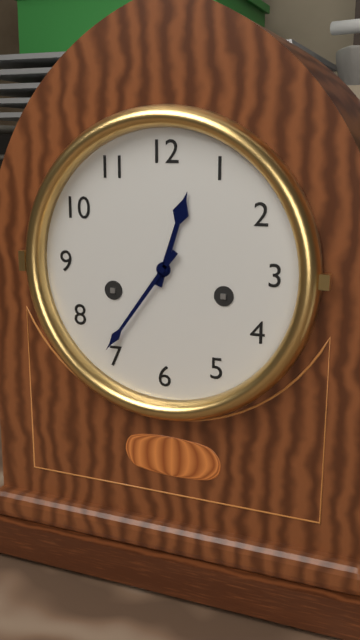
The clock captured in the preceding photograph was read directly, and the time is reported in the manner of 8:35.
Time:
12:36
